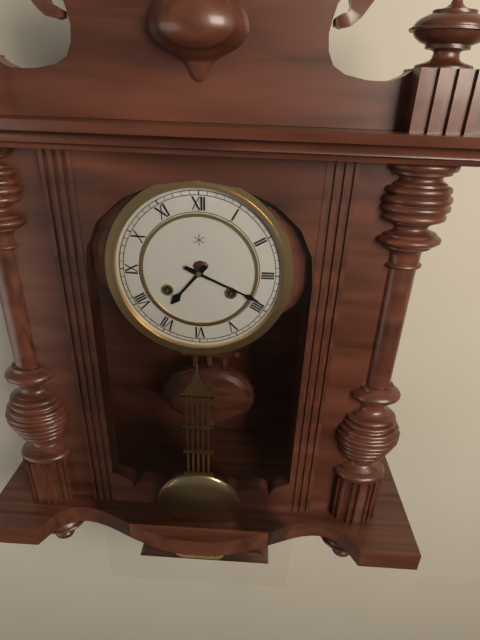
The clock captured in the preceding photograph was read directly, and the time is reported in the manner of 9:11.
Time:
7:19
